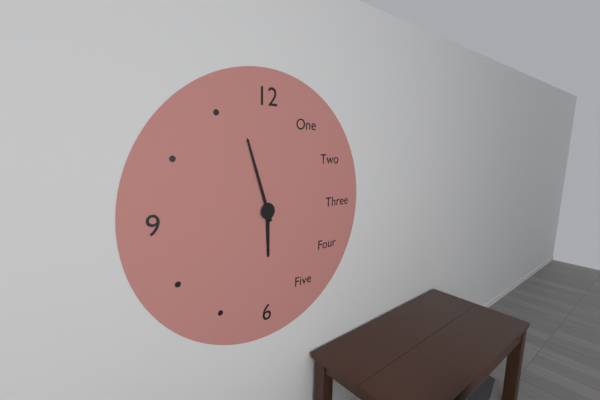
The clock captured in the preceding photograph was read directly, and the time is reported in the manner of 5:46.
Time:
5:57
